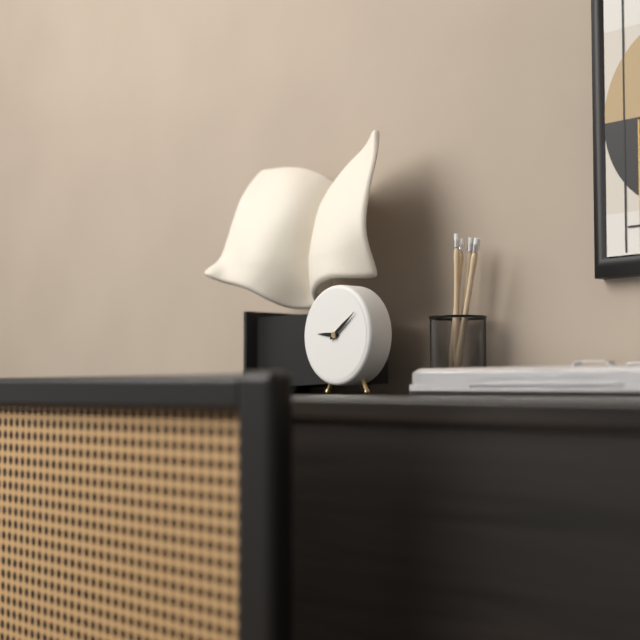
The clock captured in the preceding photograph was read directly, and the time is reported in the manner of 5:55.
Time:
9:09
